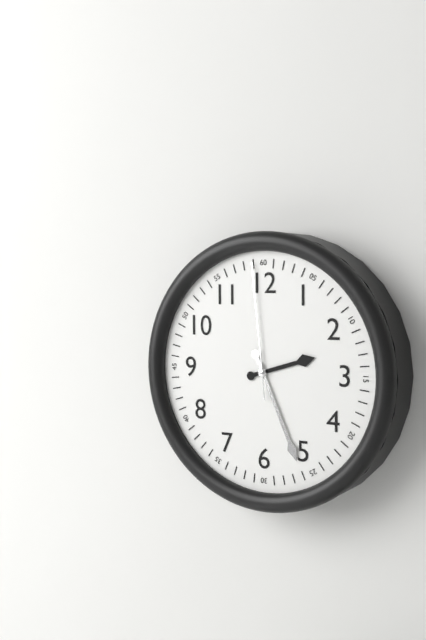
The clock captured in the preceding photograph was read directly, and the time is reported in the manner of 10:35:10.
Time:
2:26:59
